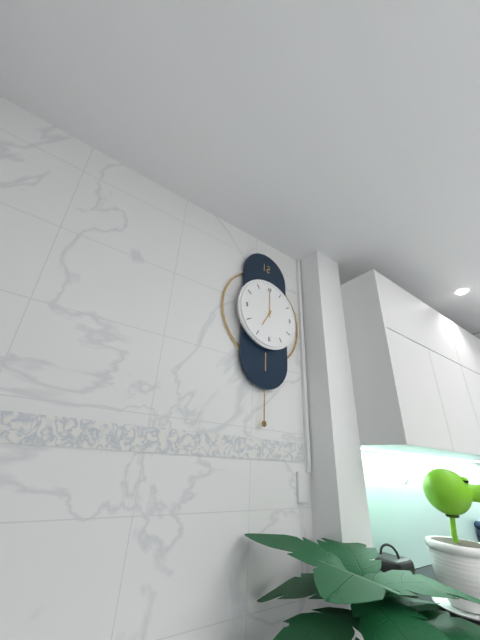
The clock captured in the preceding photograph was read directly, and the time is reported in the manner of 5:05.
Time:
7:00
